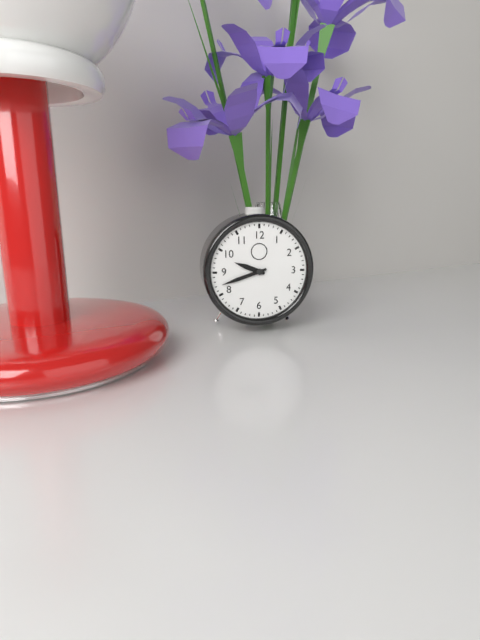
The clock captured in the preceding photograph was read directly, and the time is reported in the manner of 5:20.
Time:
9:42
